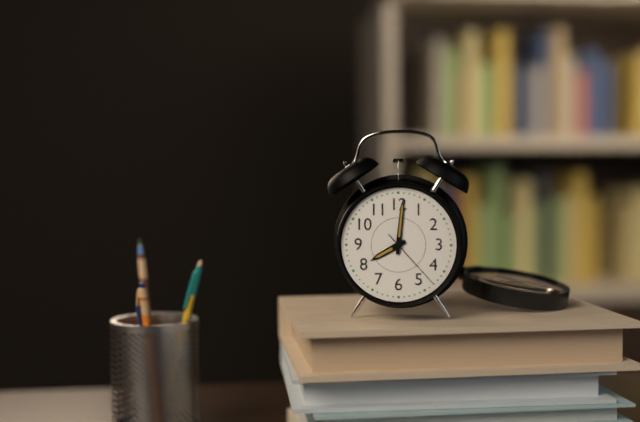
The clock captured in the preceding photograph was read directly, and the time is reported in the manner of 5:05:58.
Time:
8:01:23
